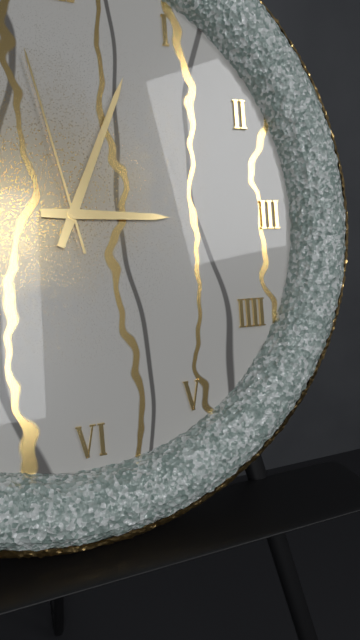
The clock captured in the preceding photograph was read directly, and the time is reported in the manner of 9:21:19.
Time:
3:04:58
